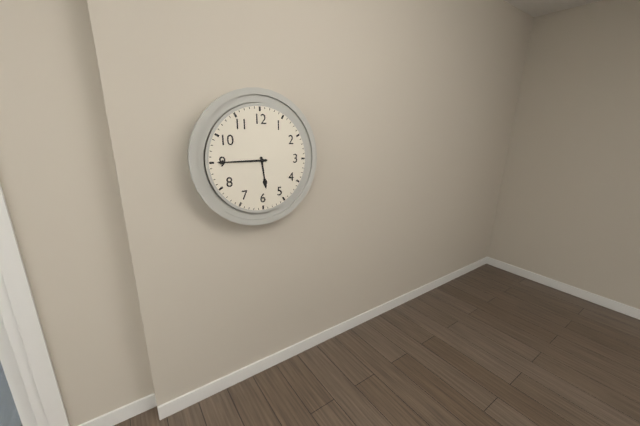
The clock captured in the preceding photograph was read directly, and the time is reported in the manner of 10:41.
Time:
5:45
